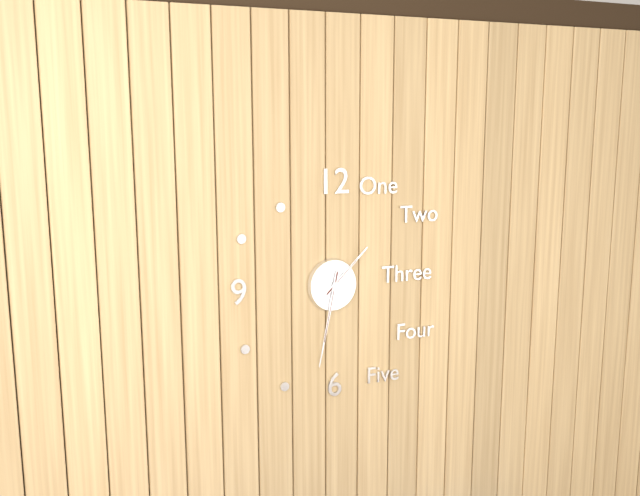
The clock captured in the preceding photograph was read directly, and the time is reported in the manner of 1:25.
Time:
1:32
